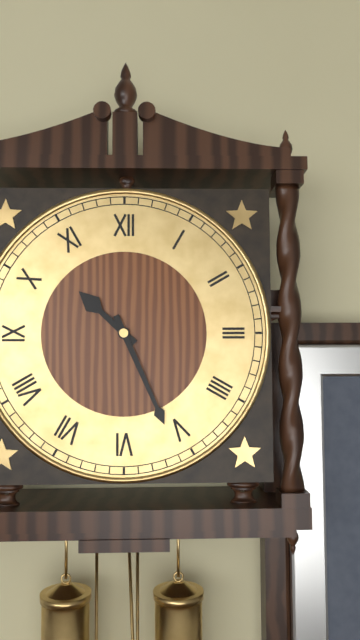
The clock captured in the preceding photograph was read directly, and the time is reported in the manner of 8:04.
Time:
10:26
